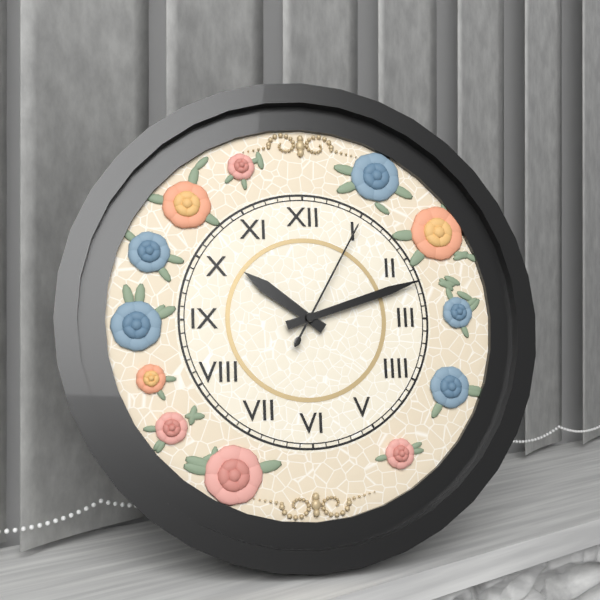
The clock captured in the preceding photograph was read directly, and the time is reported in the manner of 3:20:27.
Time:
10:12:05
